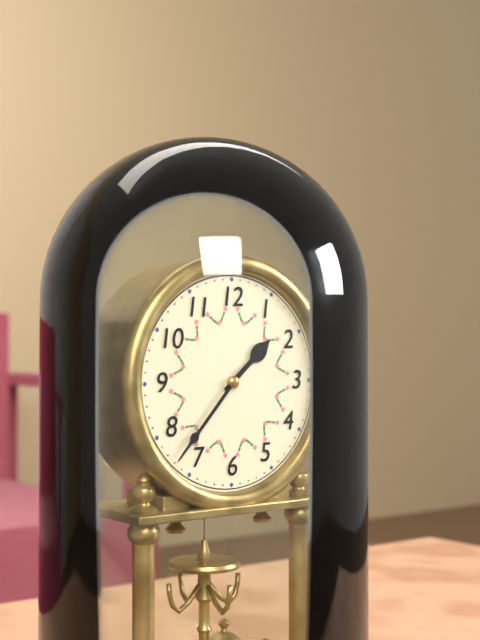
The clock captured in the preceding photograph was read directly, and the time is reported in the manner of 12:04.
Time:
1:37
